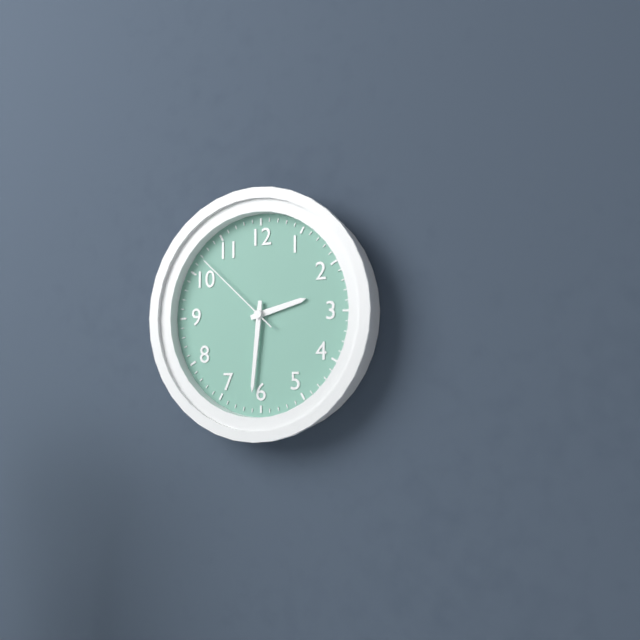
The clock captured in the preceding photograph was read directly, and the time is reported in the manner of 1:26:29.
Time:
2:31:52
